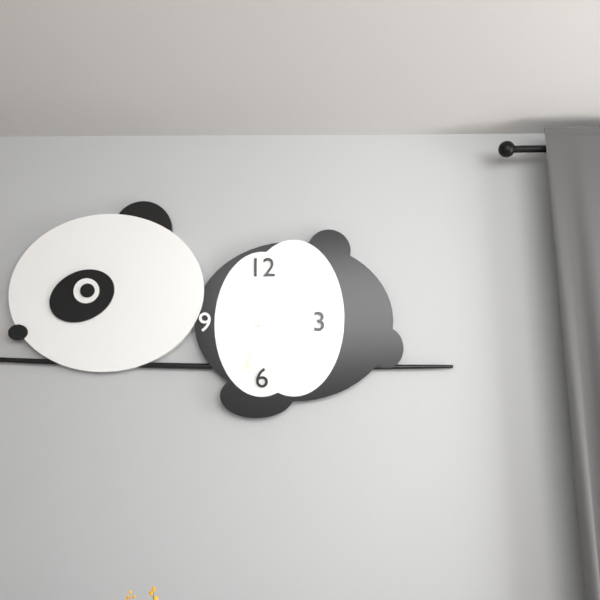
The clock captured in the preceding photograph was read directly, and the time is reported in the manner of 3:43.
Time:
2:33
